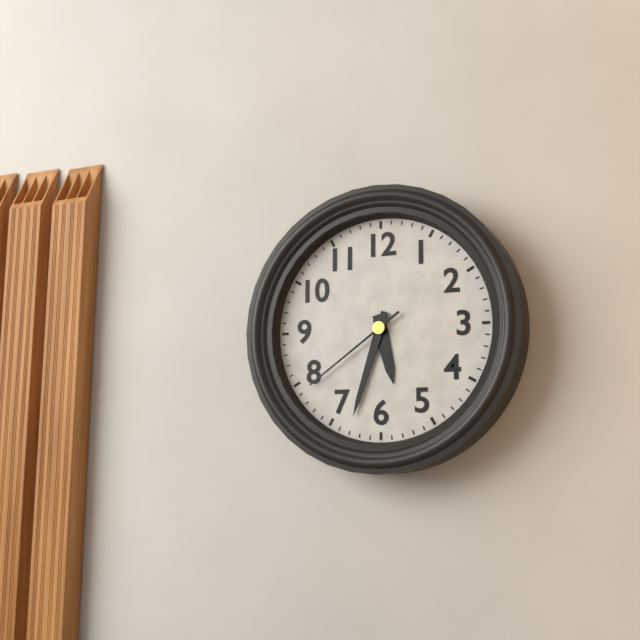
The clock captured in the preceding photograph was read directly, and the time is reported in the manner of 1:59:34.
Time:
5:33:39
